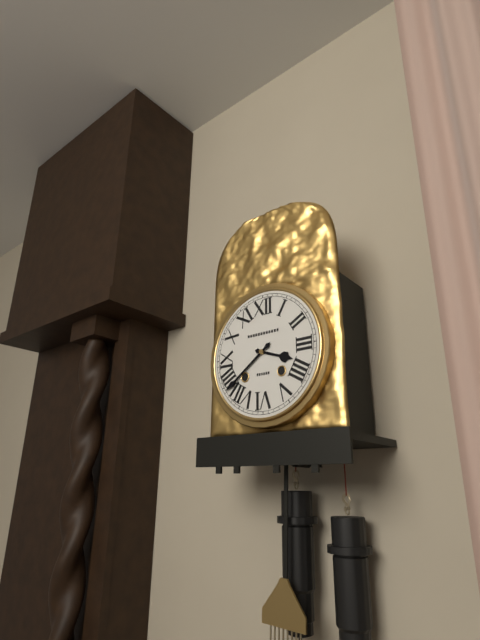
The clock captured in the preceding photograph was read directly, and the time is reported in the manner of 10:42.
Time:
3:39
